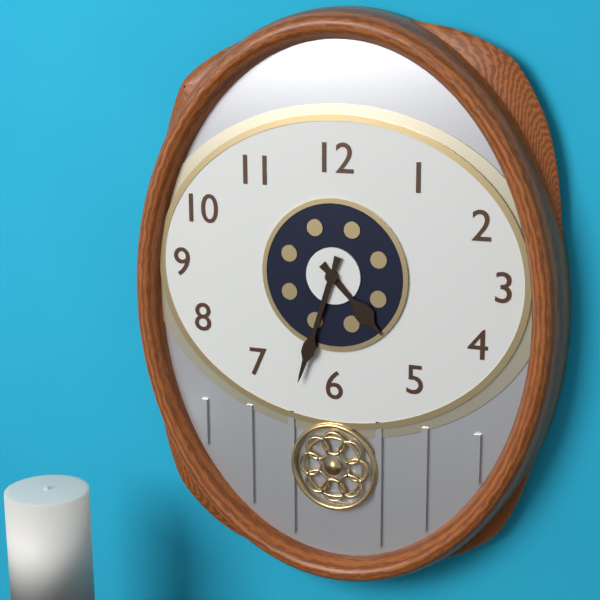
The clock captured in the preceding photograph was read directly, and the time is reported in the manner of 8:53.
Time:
4:33
